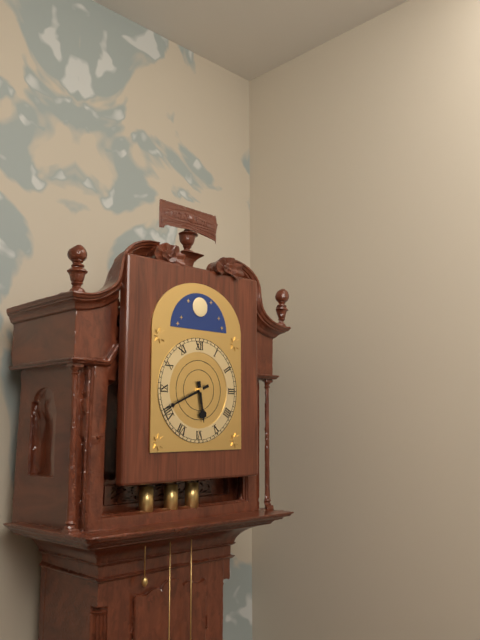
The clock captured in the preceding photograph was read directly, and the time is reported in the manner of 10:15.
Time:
5:41
